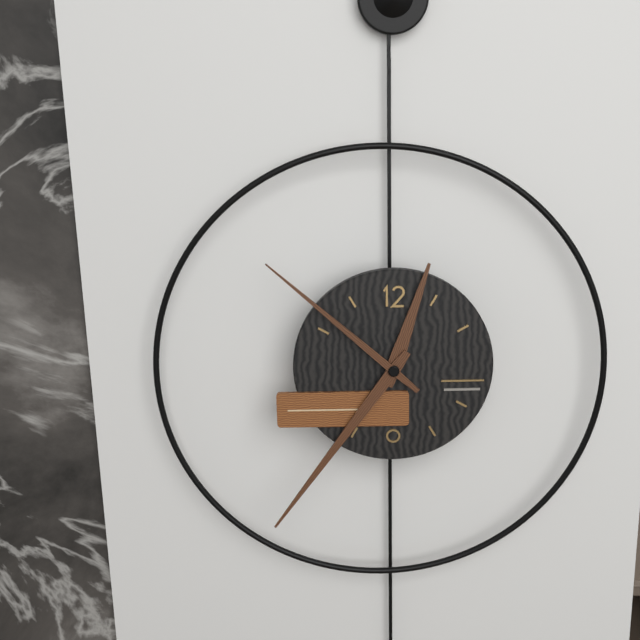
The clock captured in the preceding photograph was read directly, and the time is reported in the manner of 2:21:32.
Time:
12:36:52
